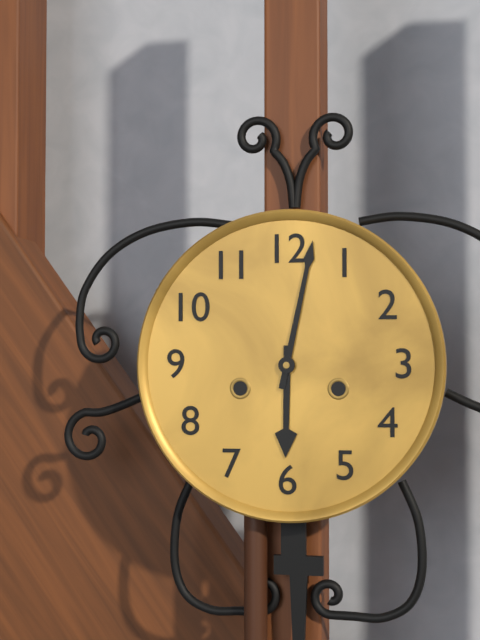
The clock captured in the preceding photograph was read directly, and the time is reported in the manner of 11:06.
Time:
6:02
